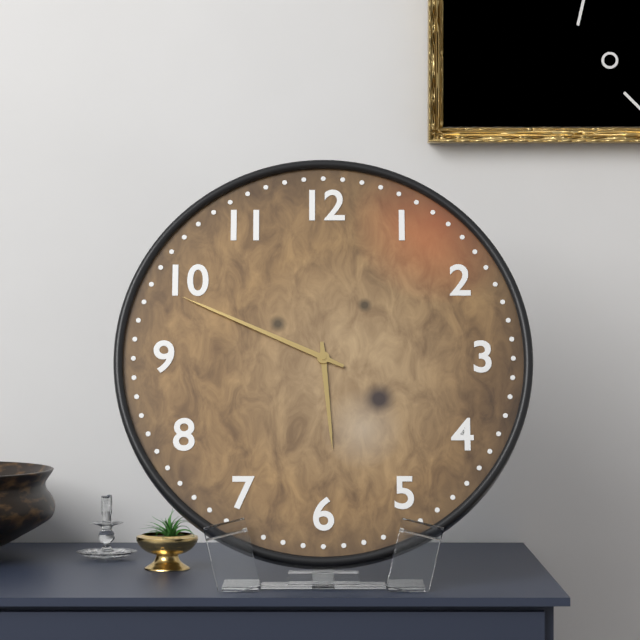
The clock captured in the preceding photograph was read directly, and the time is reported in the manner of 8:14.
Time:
5:49
